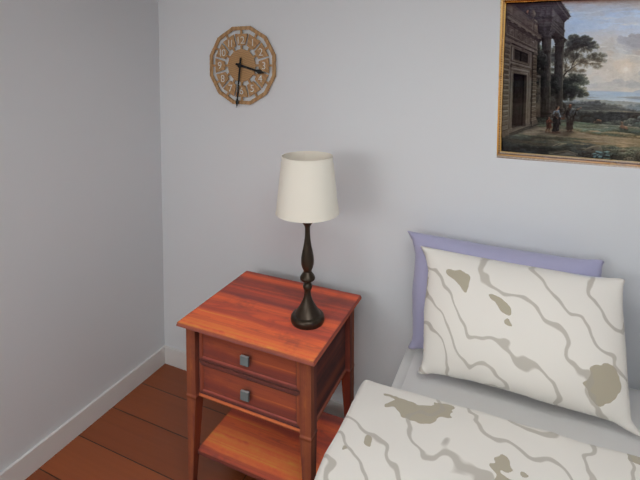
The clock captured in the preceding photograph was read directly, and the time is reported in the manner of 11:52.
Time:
3:31
